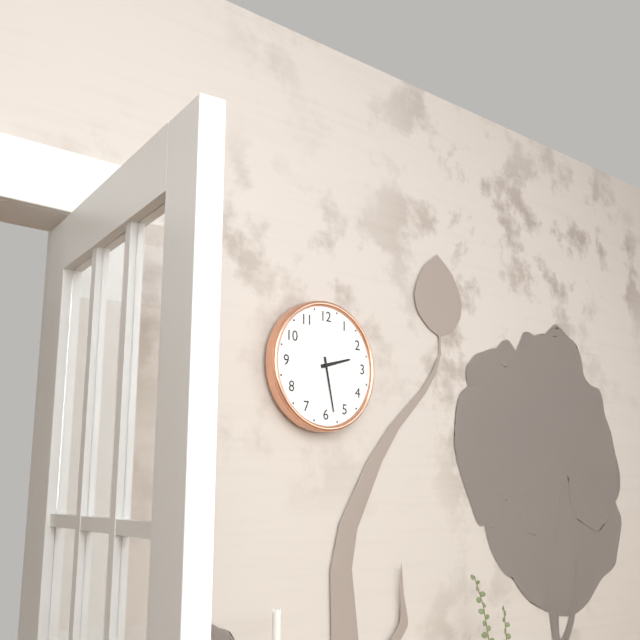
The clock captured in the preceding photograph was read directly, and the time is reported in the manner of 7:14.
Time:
2:28
